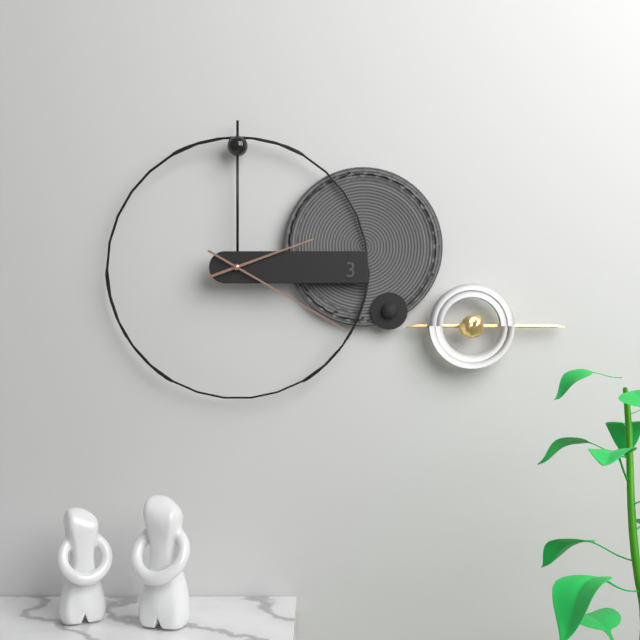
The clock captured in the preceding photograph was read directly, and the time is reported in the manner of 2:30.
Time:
2:20
